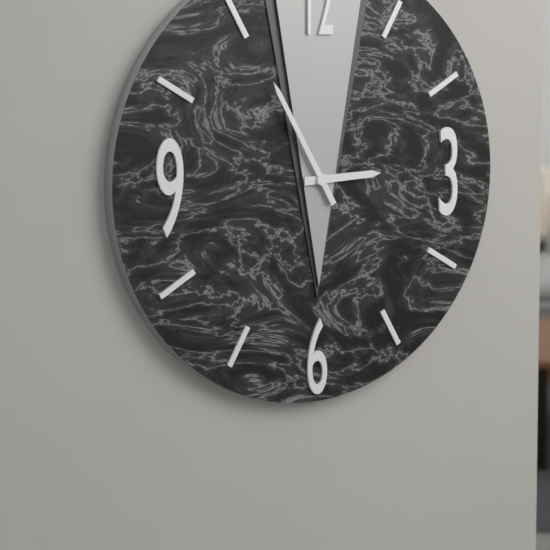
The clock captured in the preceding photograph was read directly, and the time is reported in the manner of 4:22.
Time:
2:55
